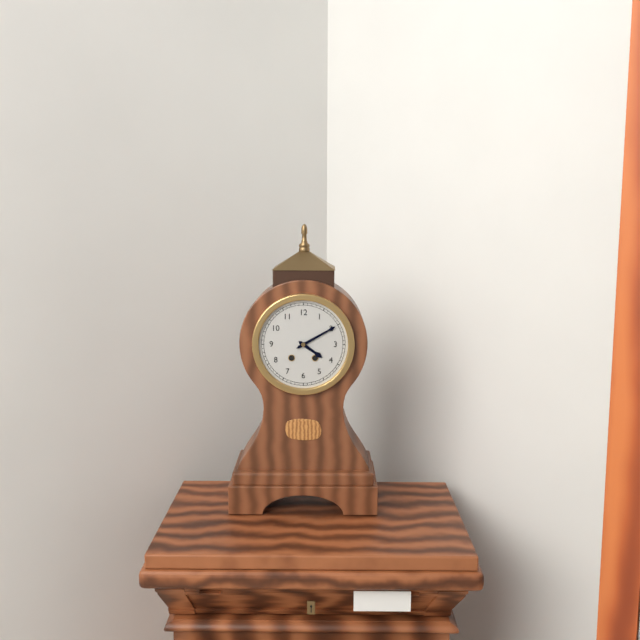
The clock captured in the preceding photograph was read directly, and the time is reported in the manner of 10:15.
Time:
4:10
